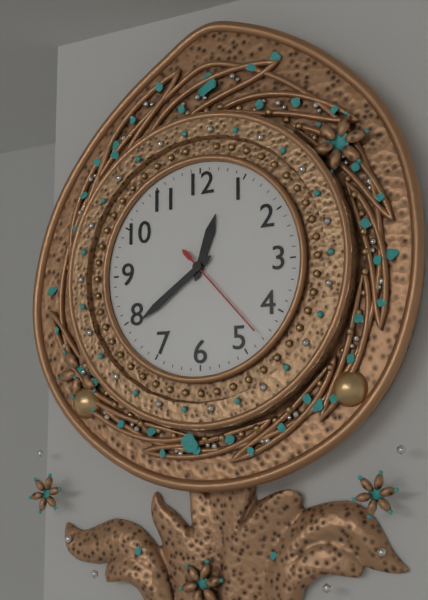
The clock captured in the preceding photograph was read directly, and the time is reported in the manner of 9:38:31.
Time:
12:39:23
